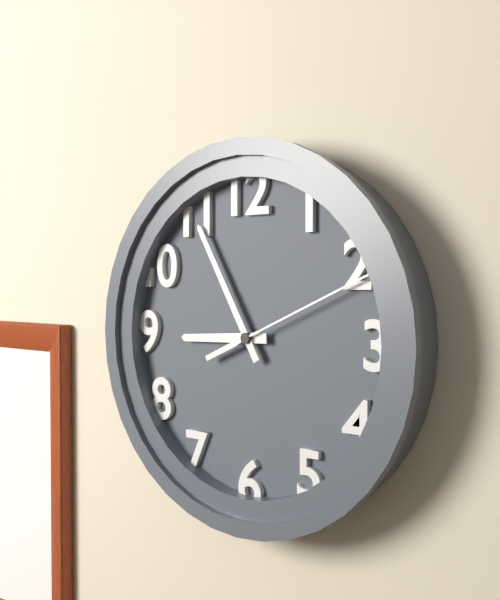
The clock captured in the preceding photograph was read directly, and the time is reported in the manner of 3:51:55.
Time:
8:55:11
